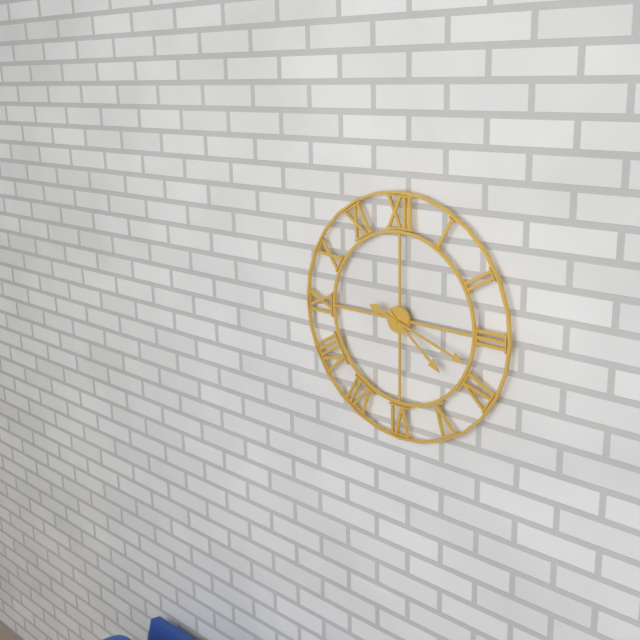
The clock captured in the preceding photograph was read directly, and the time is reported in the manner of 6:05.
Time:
4:18
